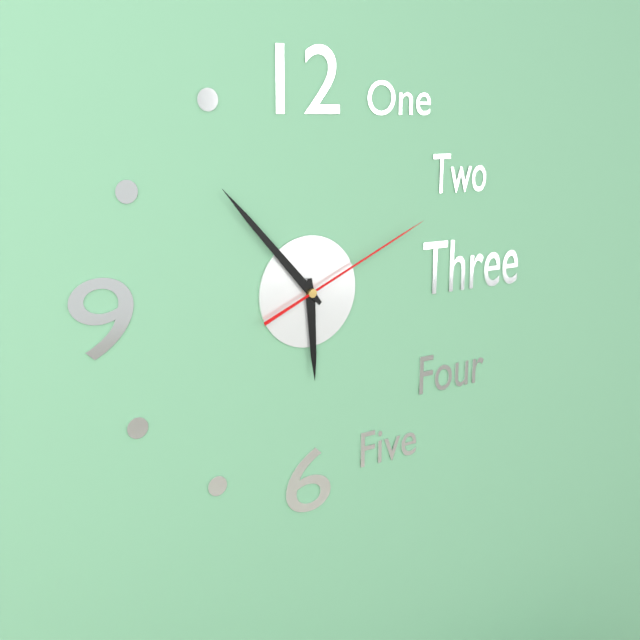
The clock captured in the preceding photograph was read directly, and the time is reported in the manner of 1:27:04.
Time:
5:53:11
